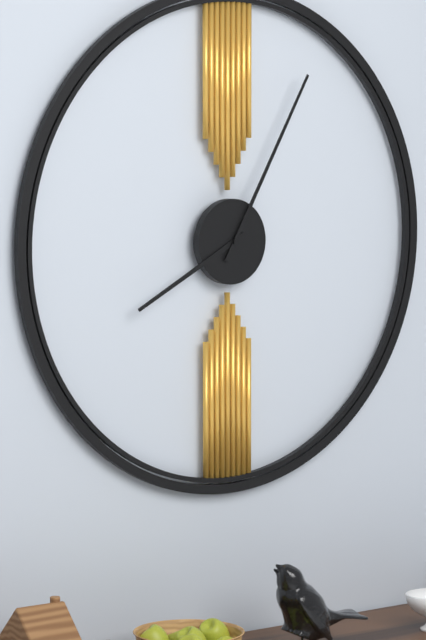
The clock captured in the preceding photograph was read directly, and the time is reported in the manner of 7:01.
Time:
8:05
